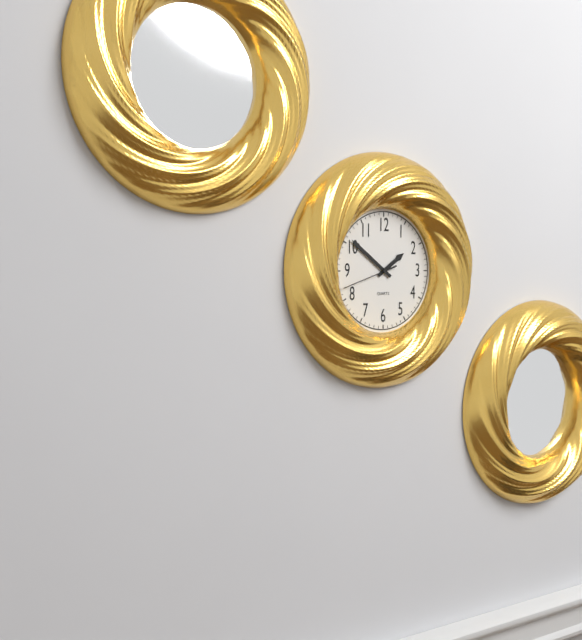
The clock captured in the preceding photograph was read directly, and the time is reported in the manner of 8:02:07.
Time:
1:51:42
